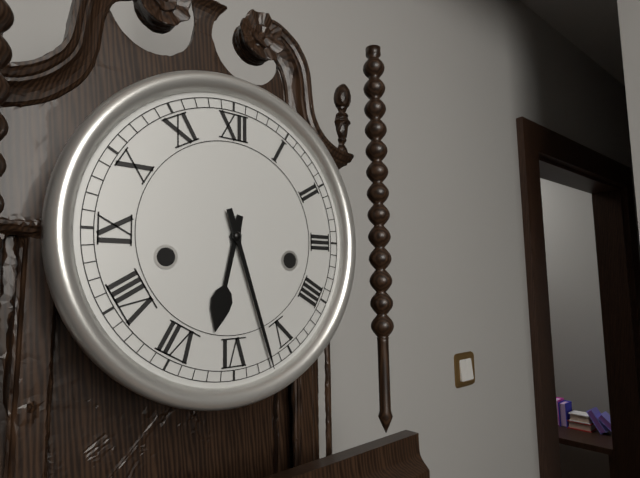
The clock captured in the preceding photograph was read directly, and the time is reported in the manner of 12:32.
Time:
6:27
